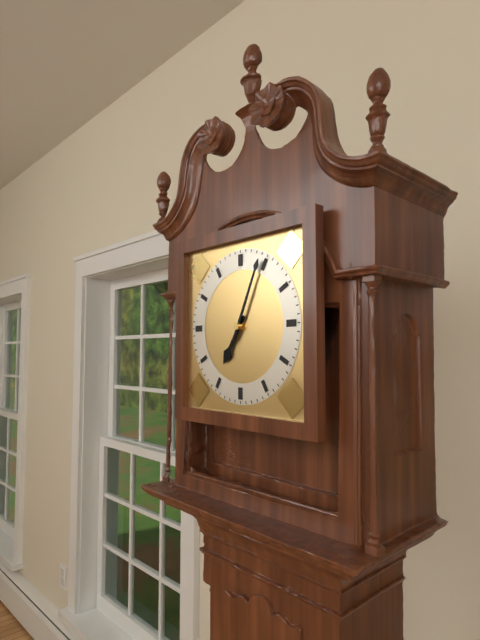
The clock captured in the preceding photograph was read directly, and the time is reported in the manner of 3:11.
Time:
7:04
